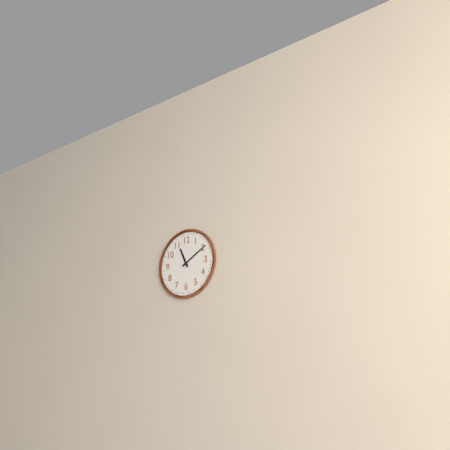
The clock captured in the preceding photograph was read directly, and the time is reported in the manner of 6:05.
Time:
11:10
